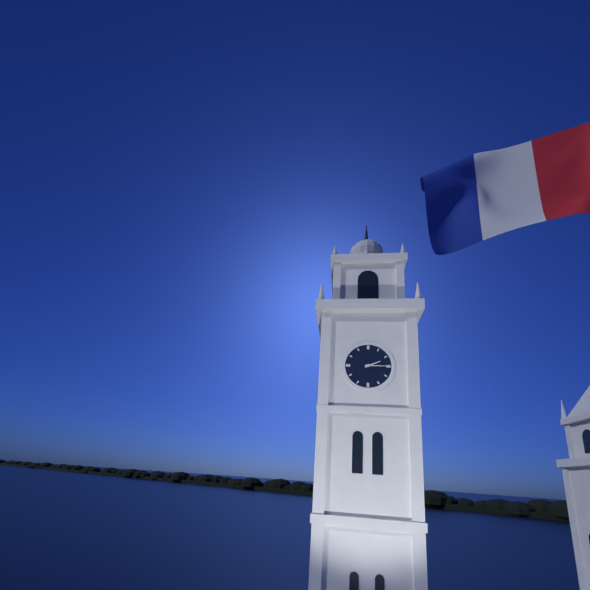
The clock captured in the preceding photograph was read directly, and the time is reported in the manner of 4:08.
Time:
2:15
